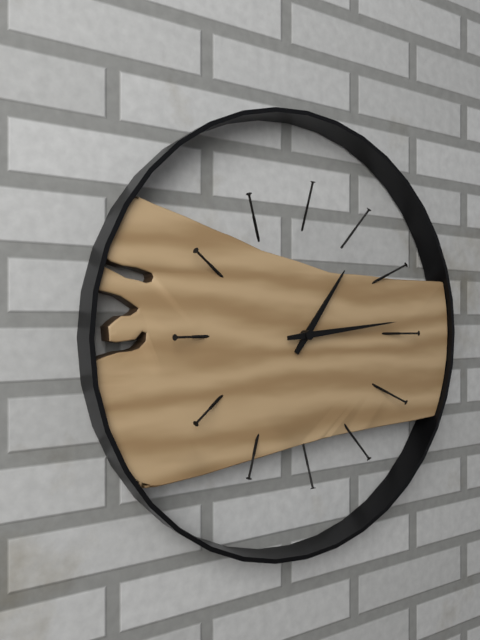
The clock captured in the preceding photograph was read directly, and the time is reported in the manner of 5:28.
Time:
1:14
